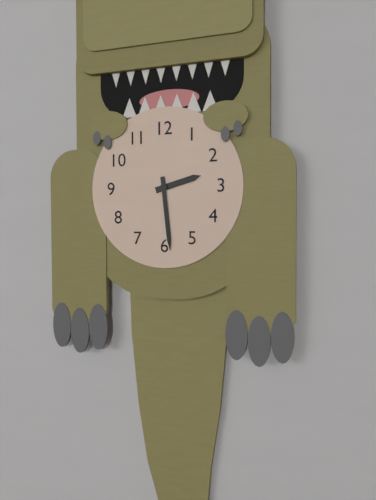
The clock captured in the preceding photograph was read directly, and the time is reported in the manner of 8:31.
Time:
2:29
